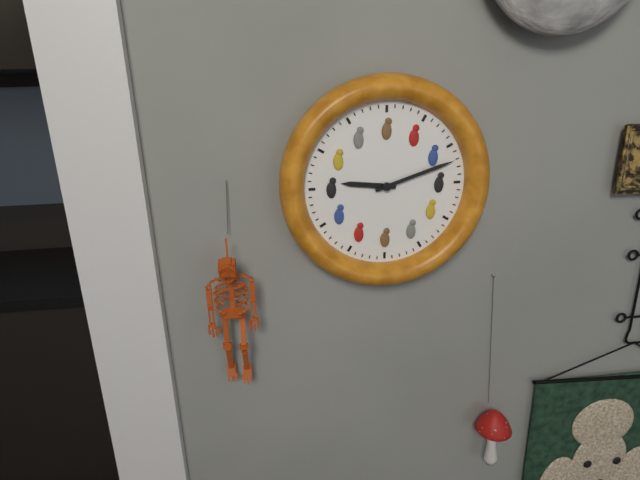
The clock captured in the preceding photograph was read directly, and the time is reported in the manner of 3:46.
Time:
9:12
